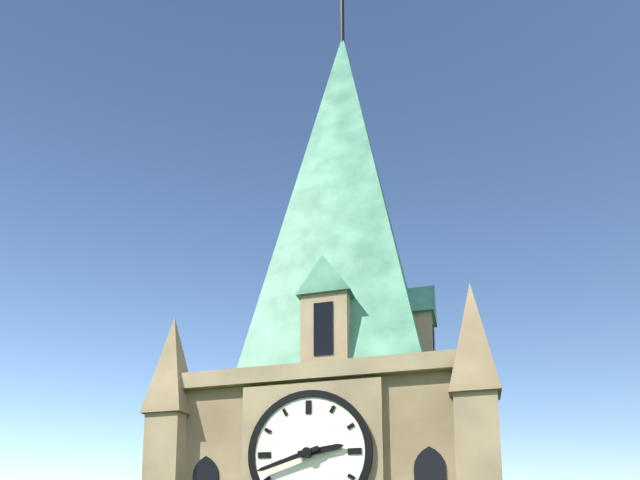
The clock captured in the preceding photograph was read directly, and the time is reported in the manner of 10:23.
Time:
2:42
